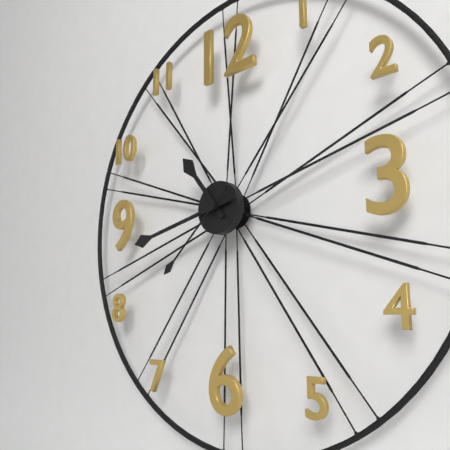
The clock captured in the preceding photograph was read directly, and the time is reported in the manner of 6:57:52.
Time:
10:43:38
